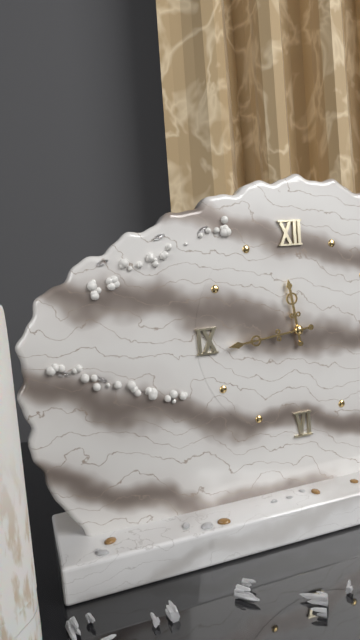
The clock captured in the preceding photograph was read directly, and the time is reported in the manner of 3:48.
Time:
11:44
